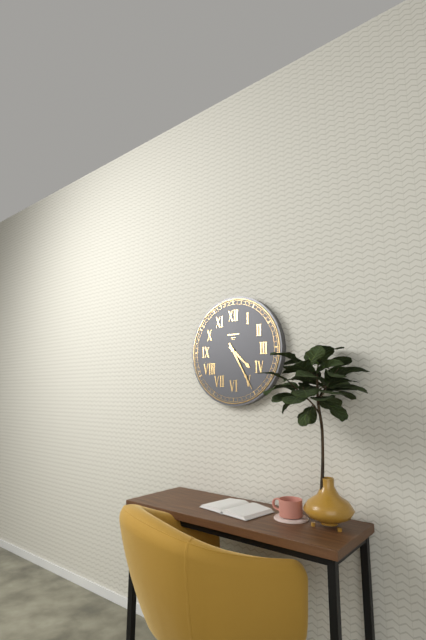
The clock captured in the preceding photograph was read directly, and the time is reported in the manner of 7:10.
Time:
4:25
